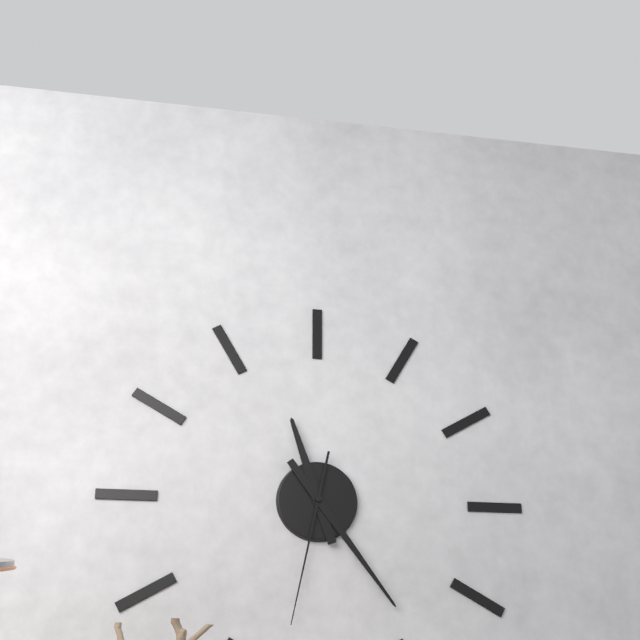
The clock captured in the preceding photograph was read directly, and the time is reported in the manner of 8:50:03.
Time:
11:24:32
